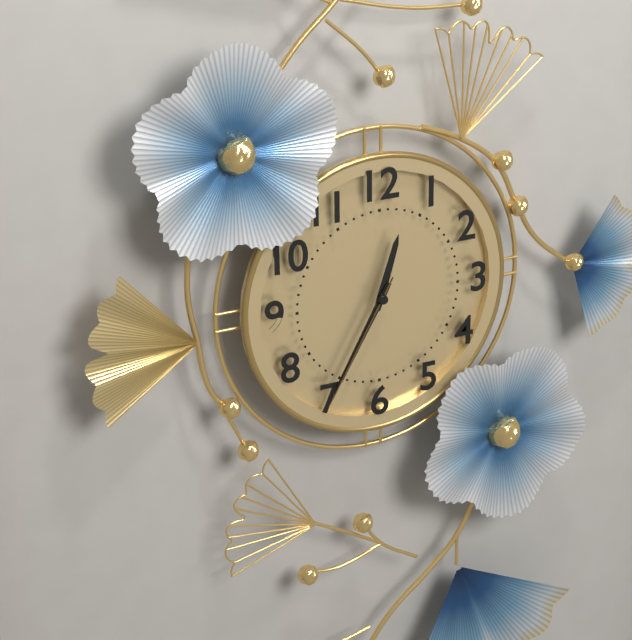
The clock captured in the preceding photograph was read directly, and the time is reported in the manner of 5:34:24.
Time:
12:35:35
